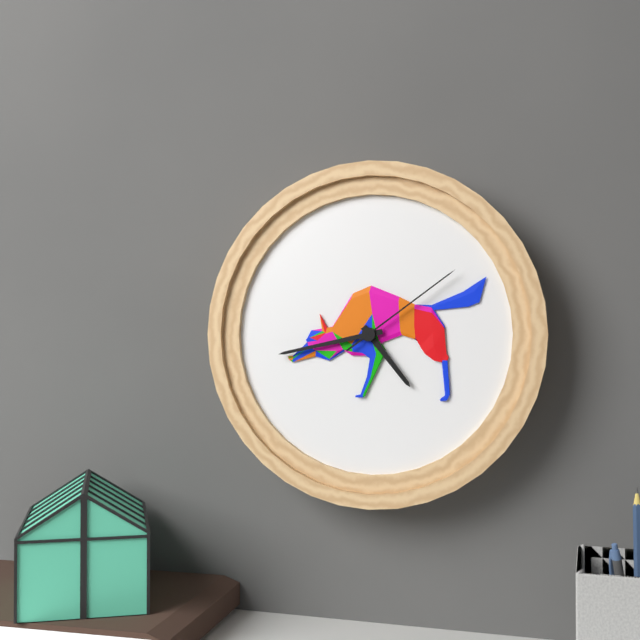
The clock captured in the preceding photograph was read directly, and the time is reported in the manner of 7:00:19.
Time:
4:43:09
